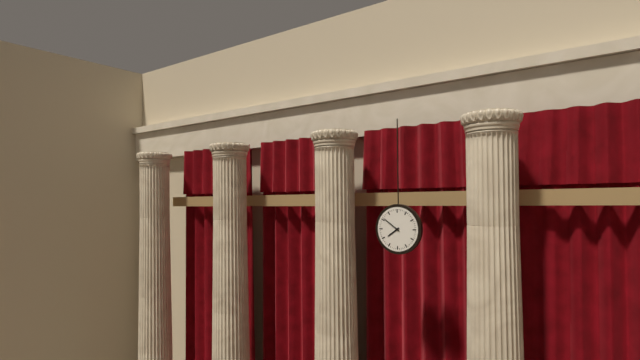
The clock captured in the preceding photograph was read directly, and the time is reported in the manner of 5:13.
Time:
7:51
